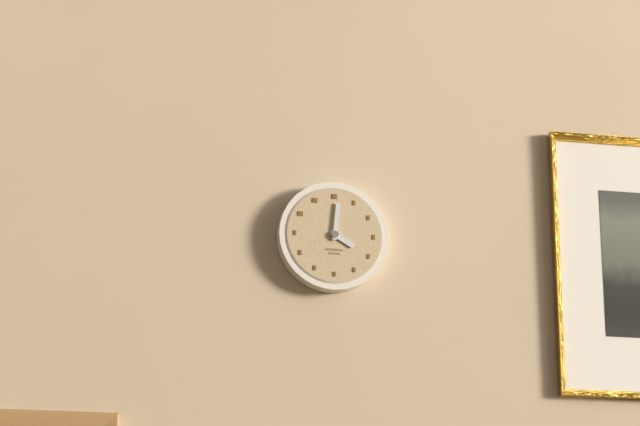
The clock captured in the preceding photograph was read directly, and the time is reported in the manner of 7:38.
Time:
4:01
